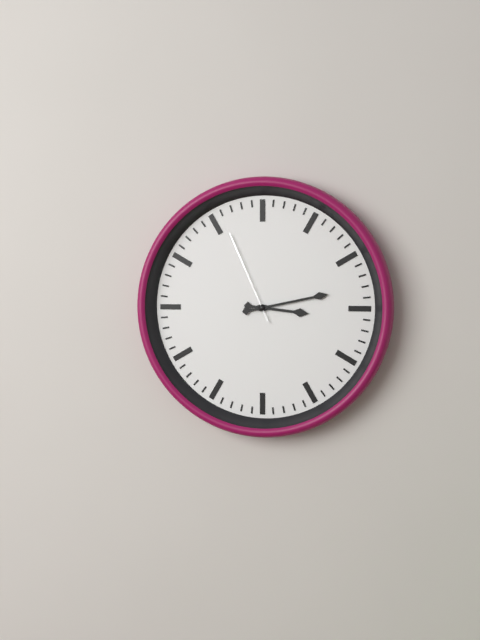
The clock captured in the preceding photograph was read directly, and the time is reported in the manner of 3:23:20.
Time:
3:13:56
